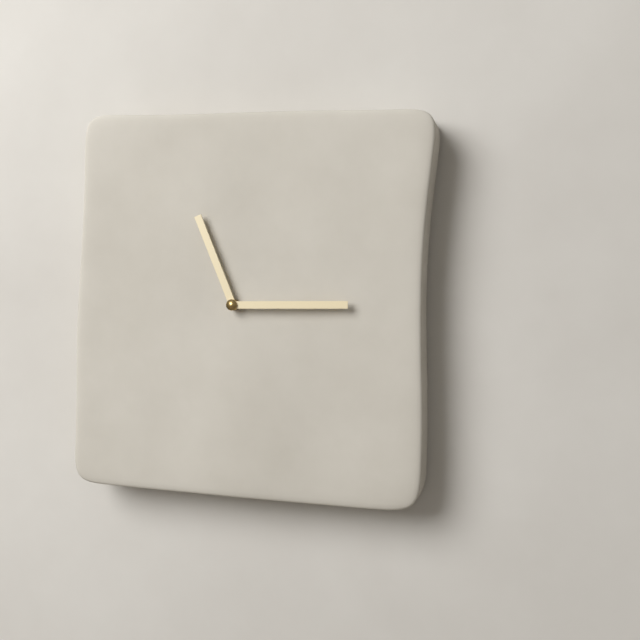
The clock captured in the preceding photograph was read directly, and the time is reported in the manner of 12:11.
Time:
11:15
